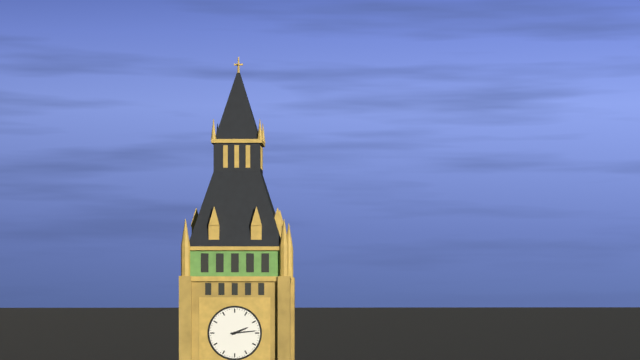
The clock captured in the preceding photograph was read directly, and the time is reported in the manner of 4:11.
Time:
2:14
